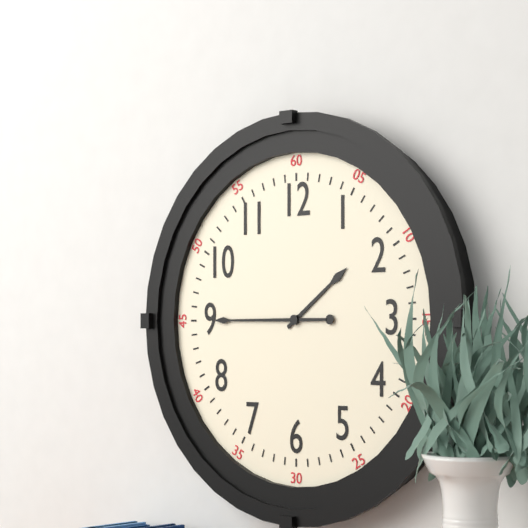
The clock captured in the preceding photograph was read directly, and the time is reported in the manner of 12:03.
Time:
1:45
